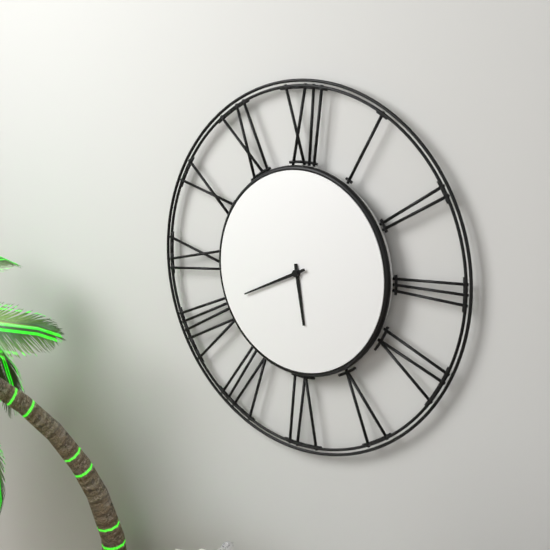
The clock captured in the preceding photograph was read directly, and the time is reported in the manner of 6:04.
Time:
5:41
